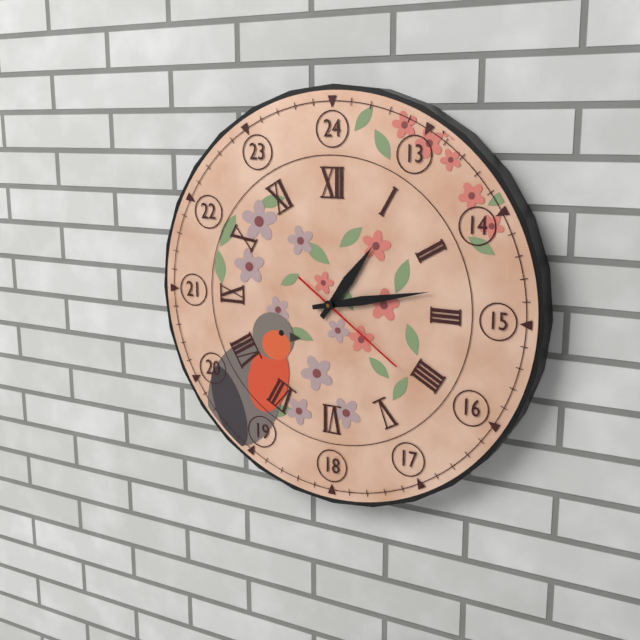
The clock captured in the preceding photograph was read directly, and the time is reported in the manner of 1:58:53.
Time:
1:13:21
